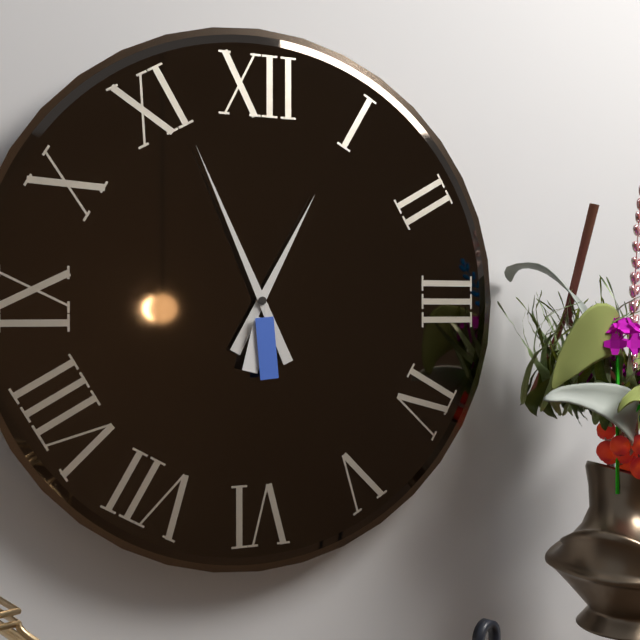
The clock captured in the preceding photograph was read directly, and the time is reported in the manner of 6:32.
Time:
12:56
